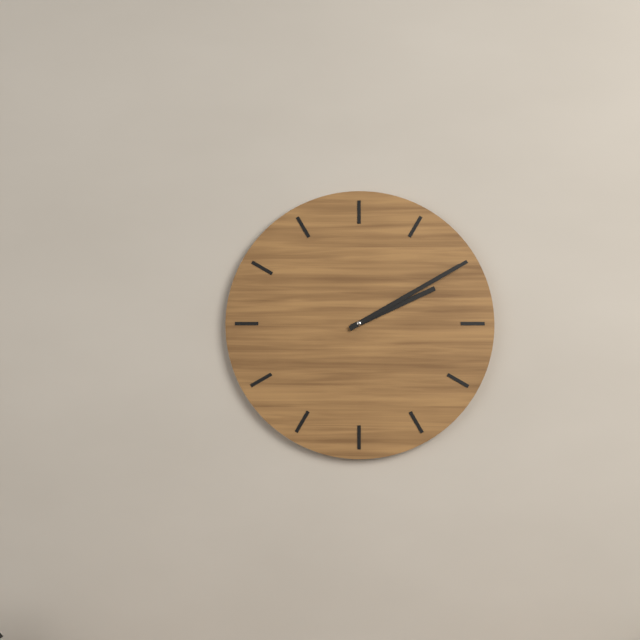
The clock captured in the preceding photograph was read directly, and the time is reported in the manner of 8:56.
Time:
2:10
